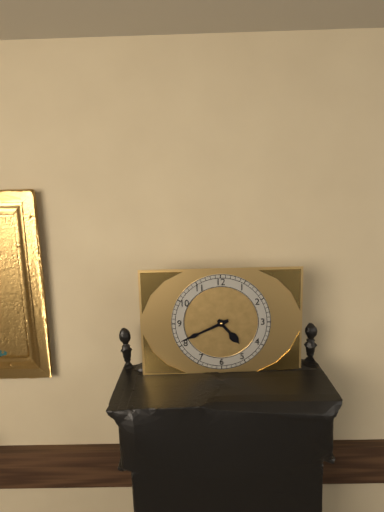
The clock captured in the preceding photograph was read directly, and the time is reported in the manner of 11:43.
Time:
4:41
